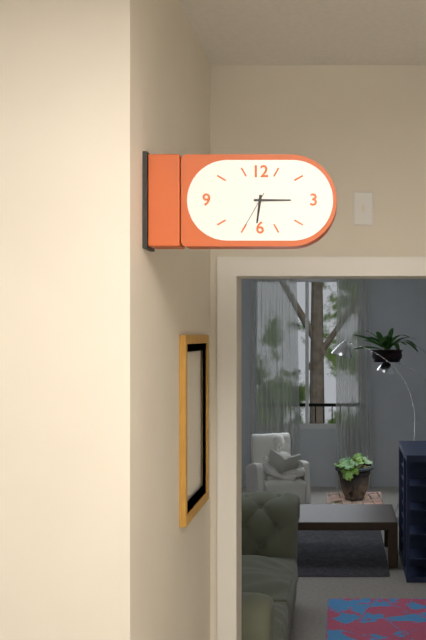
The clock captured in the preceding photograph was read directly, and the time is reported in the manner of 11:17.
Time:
6:15
